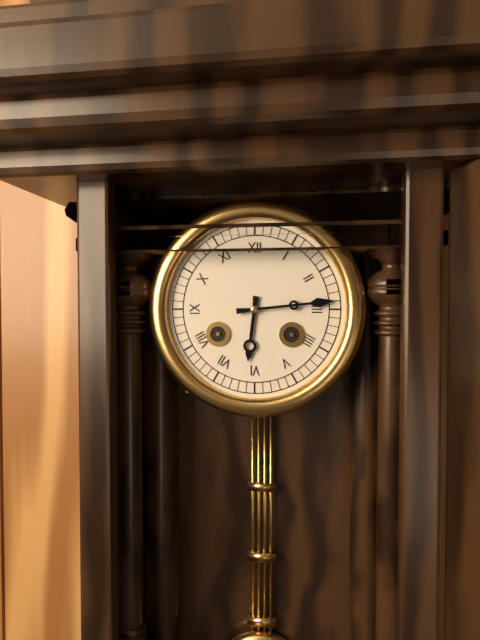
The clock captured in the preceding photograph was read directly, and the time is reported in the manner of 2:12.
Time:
6:14
